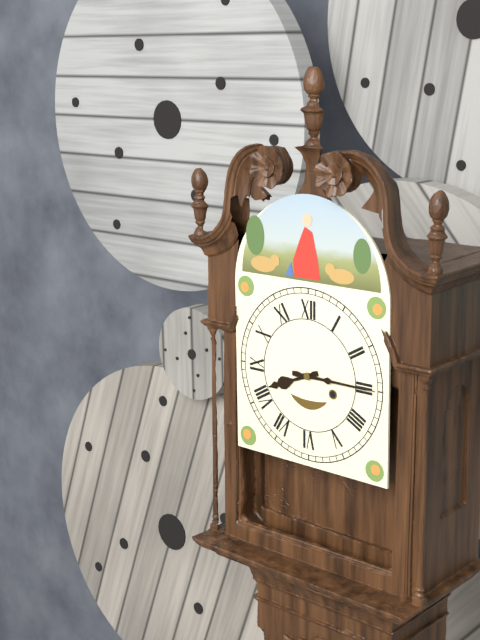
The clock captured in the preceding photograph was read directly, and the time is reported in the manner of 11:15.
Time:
8:15
